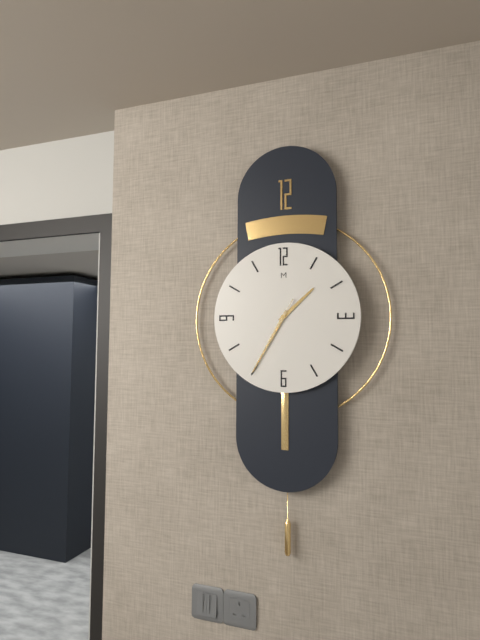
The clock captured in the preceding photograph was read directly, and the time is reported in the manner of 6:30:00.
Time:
1:35:35
